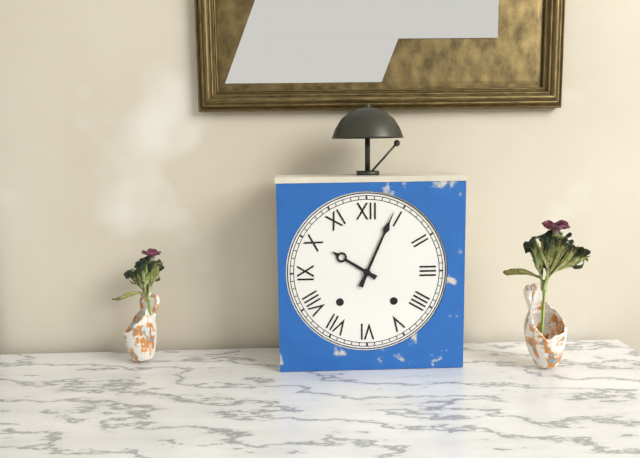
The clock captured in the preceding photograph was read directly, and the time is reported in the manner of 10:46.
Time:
10:04
